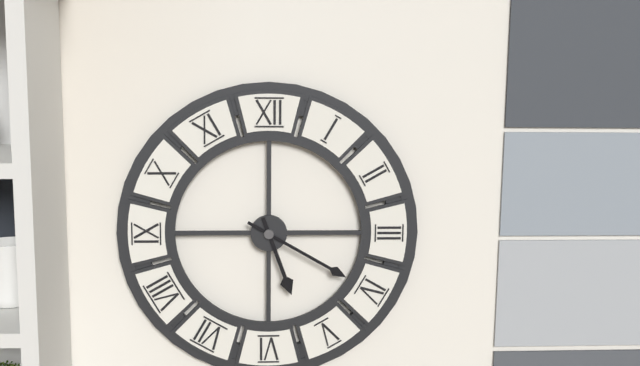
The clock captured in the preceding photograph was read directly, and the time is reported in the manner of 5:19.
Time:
5:20
